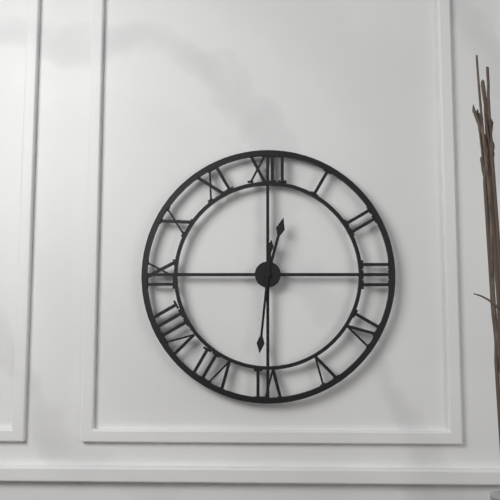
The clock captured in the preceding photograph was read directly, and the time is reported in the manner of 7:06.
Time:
12:31
